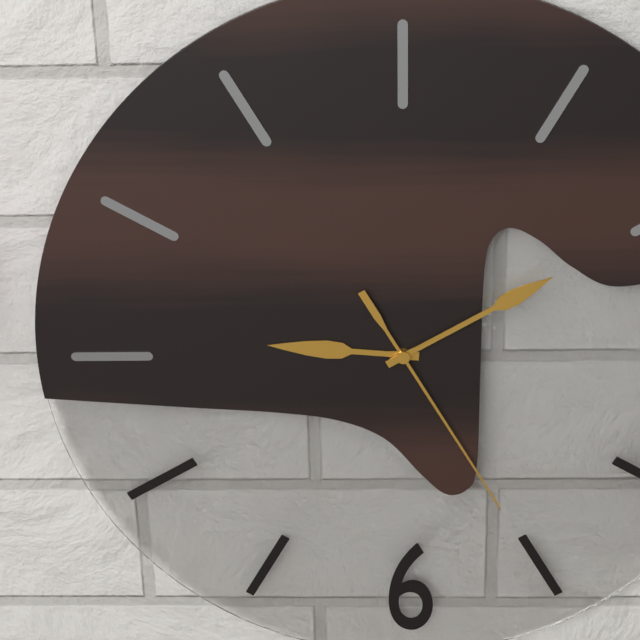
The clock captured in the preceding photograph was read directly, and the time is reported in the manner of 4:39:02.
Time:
9:10:25
